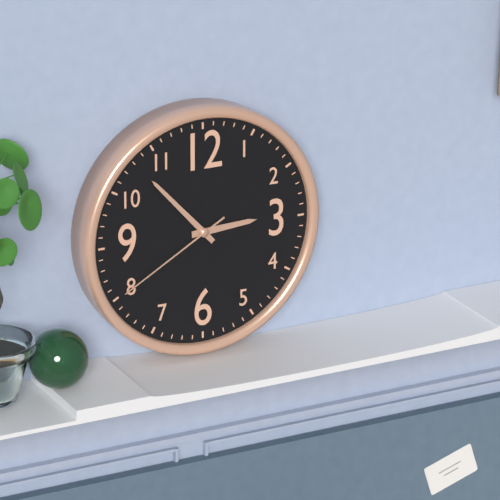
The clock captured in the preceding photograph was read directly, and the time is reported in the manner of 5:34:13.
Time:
2:53:40
